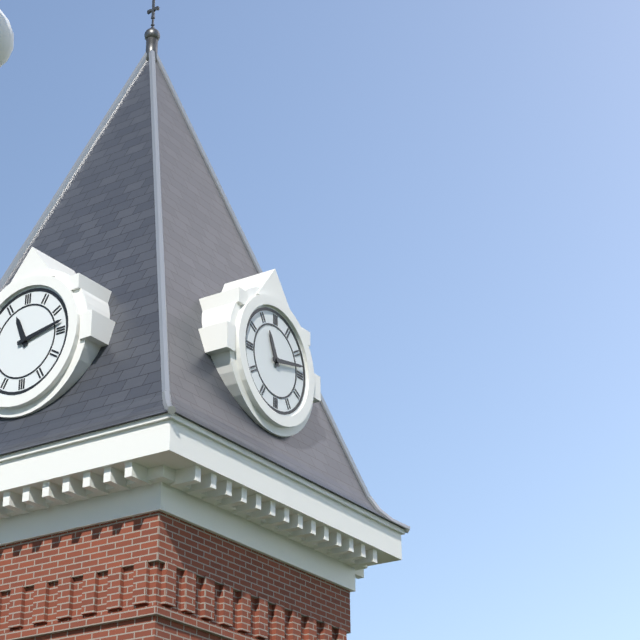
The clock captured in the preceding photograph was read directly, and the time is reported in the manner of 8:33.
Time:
11:13
